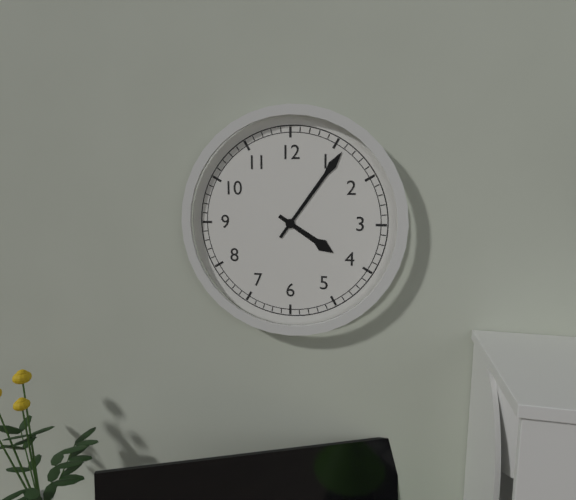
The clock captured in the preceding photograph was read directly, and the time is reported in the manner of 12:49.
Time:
4:06
